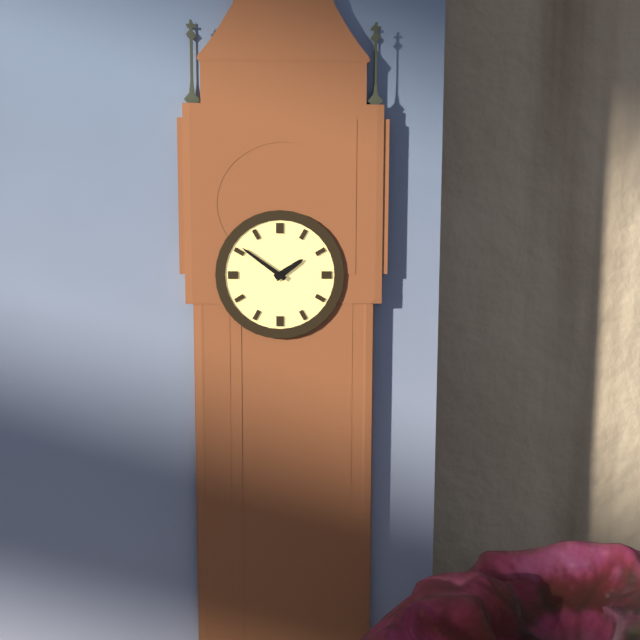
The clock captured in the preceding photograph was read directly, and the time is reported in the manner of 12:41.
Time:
1:51
